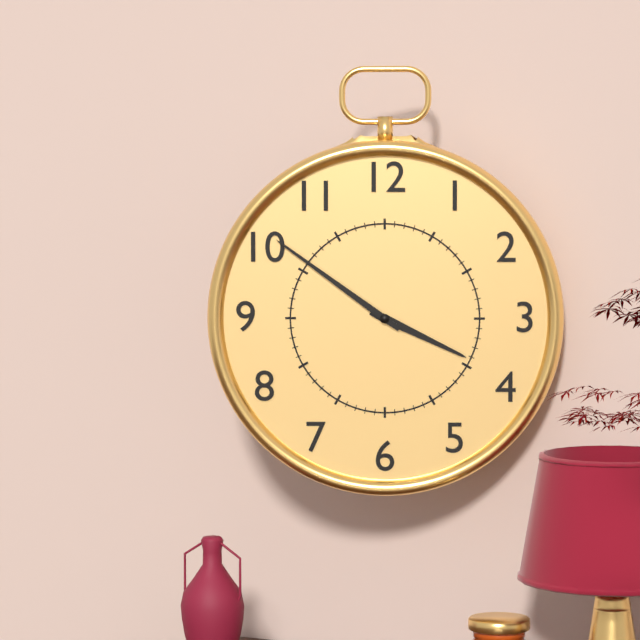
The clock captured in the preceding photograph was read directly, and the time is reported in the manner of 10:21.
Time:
3:51
